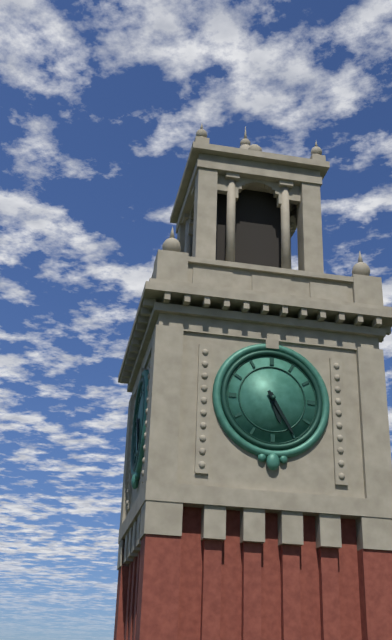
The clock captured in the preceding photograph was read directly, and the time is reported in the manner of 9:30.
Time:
5:25
